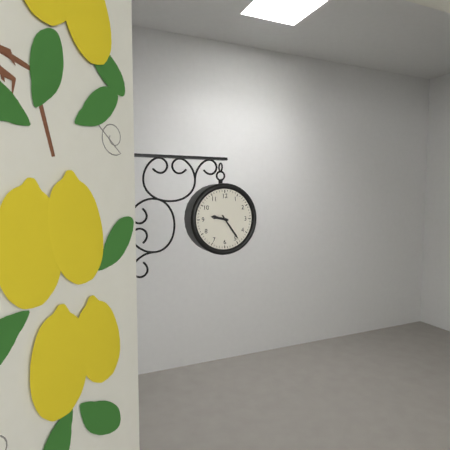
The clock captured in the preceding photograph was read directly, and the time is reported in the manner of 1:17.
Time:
9:24
